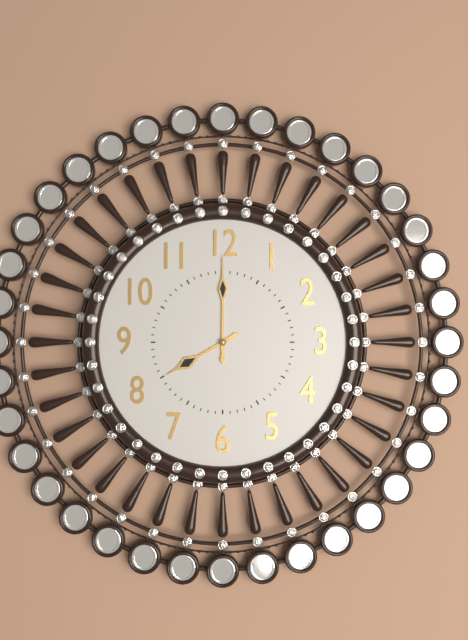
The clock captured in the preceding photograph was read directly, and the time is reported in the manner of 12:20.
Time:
8:00
